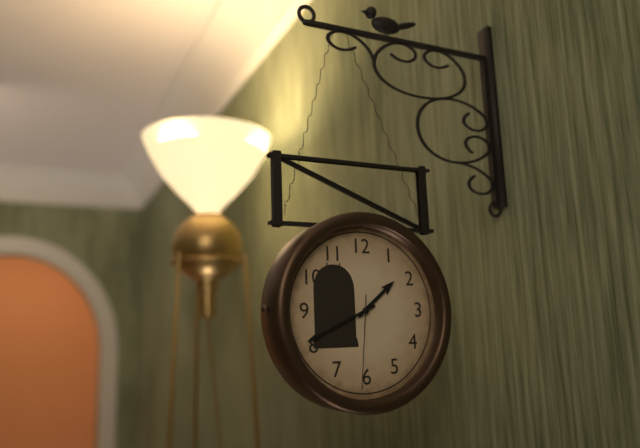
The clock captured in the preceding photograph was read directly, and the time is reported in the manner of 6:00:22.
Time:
1:41:31
